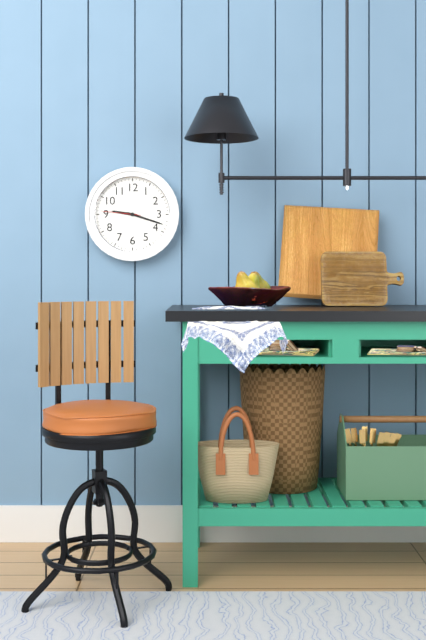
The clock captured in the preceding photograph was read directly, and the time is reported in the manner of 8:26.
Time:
9:18
